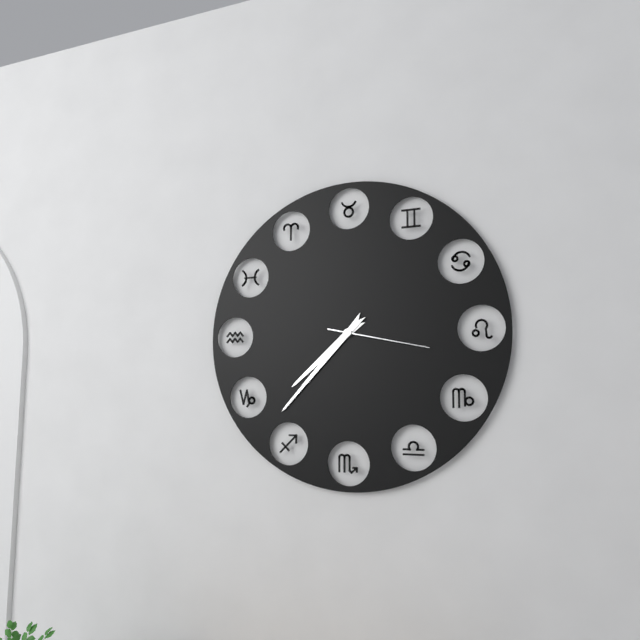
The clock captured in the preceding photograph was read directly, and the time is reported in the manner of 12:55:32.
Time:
7:37:17
